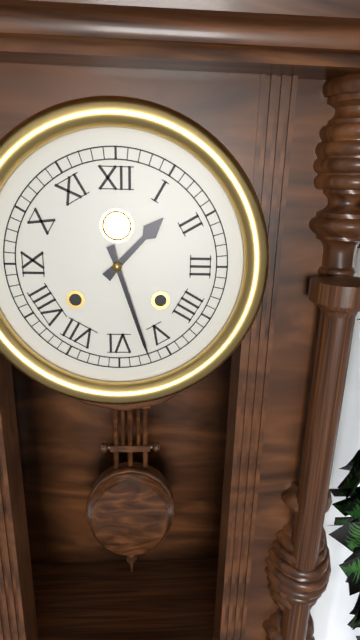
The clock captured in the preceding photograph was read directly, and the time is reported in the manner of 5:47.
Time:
1:27
